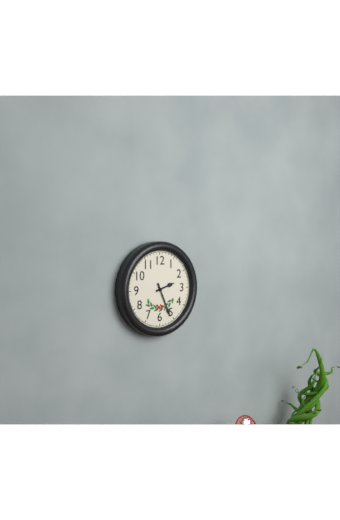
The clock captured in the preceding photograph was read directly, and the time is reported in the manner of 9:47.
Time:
2:26
